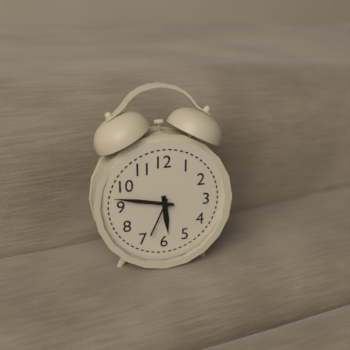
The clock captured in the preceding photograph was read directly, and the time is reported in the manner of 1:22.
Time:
5:47
